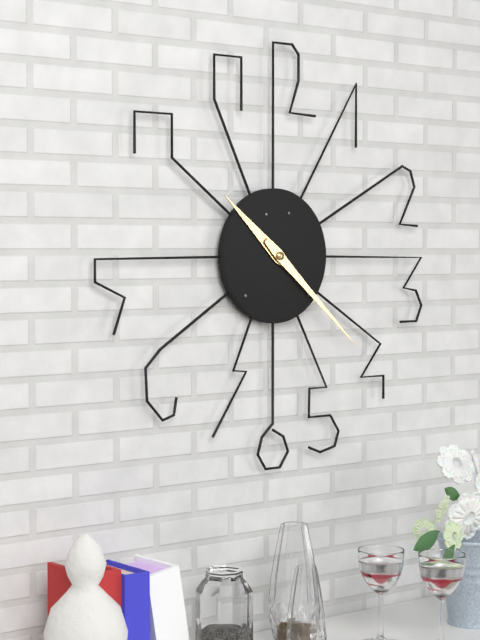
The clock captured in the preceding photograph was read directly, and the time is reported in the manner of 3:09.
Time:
10:22
